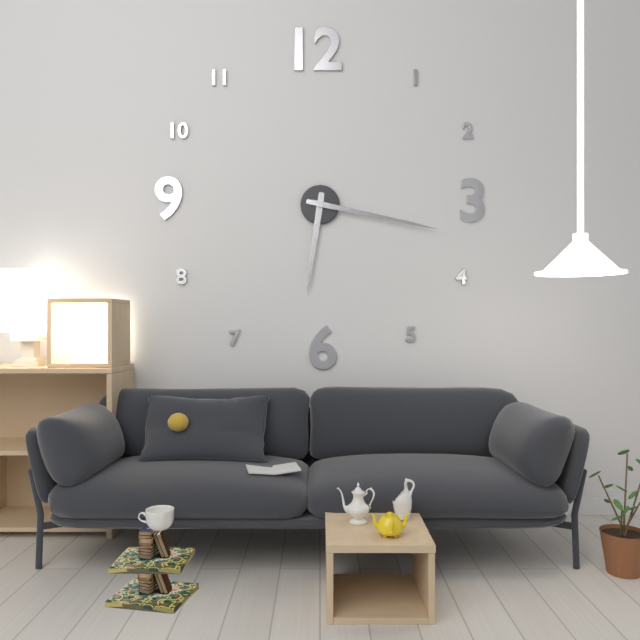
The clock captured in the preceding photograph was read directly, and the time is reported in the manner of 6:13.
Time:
6:17
